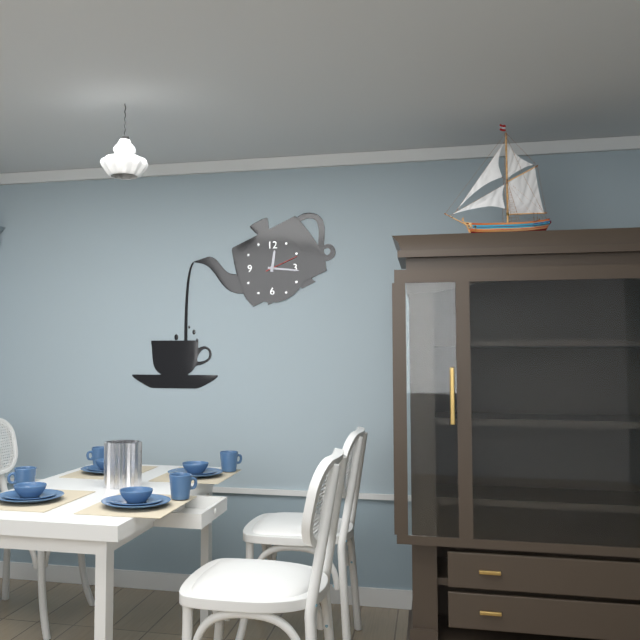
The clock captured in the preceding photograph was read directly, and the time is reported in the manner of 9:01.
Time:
12:16
